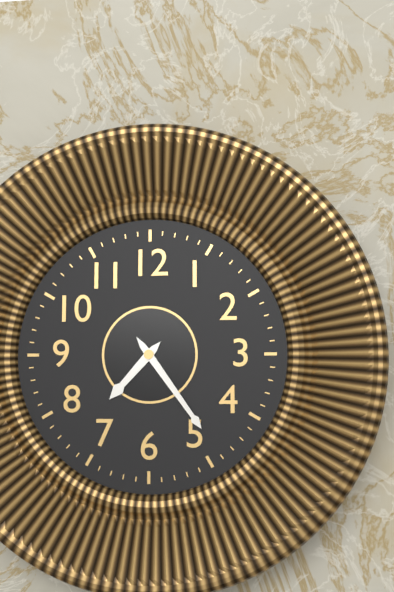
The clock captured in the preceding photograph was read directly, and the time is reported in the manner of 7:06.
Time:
7:24
